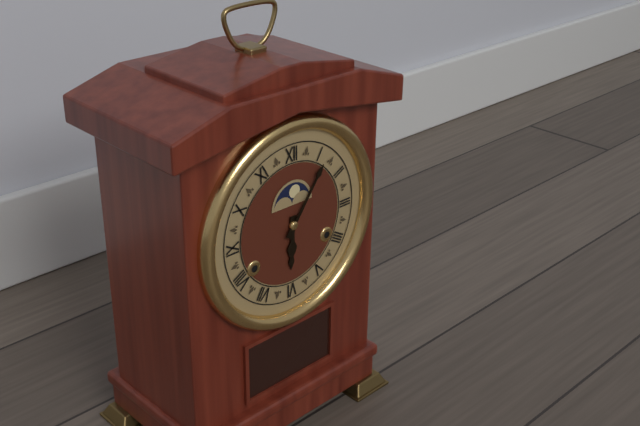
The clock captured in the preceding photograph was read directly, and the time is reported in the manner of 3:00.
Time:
6:06
